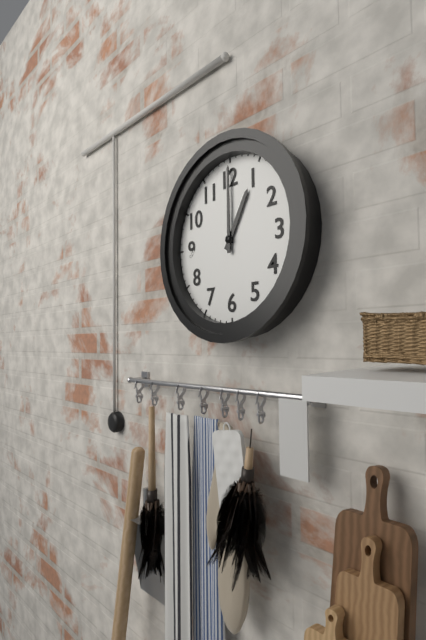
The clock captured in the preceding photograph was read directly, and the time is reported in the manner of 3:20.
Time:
1:00
